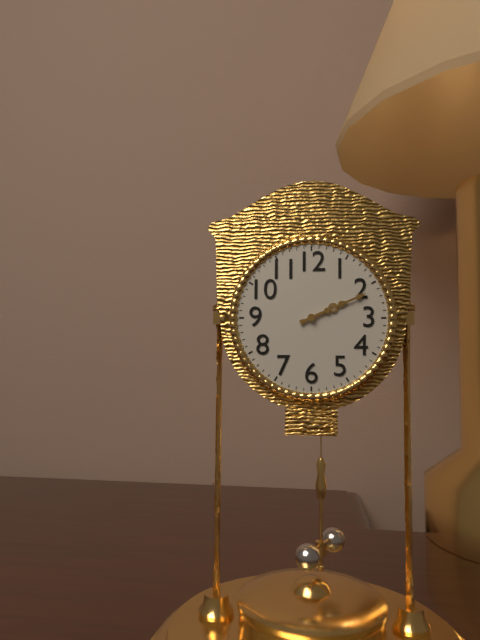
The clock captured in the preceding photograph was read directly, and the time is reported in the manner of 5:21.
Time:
2:11
